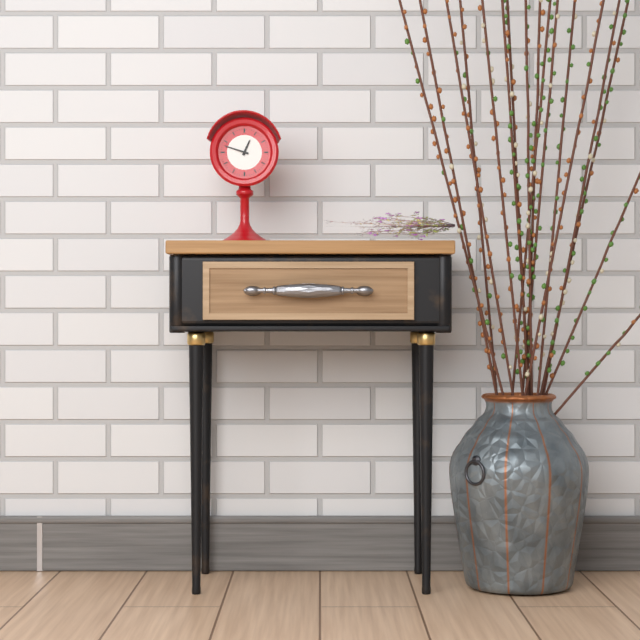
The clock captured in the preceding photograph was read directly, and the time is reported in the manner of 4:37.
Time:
12:48
